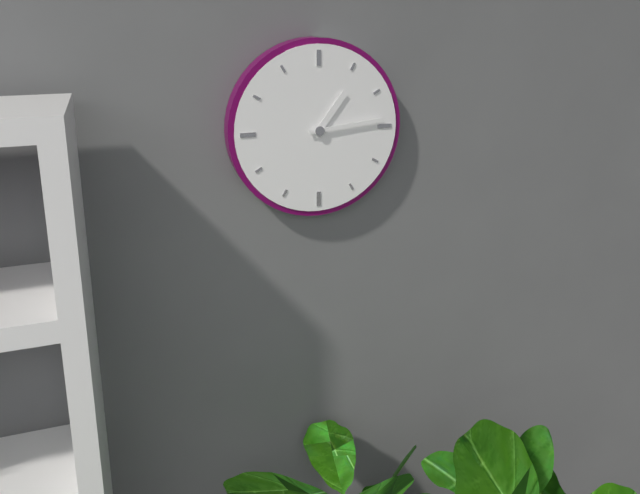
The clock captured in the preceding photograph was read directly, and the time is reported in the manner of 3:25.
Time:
1:14
